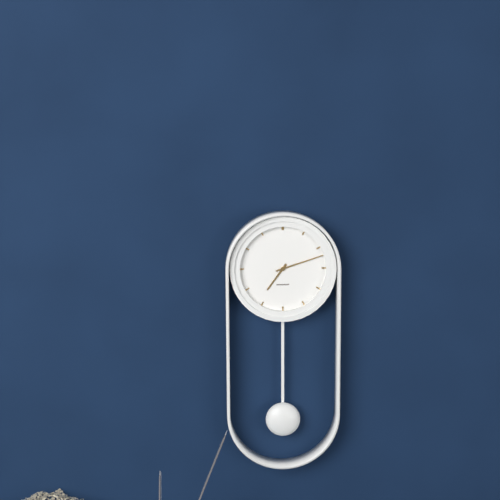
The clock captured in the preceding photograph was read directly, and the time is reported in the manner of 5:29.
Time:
7:12
